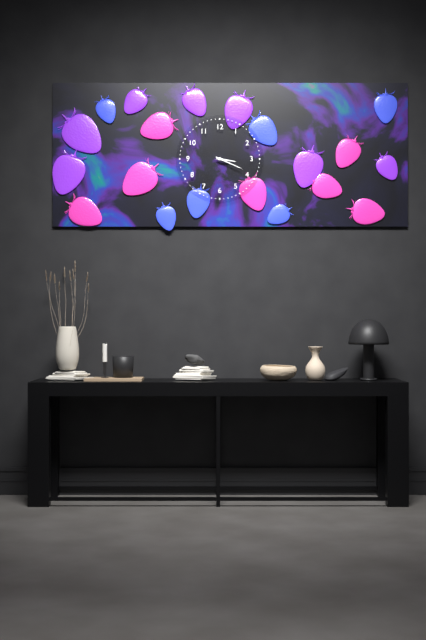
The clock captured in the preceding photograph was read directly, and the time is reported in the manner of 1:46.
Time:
3:19
